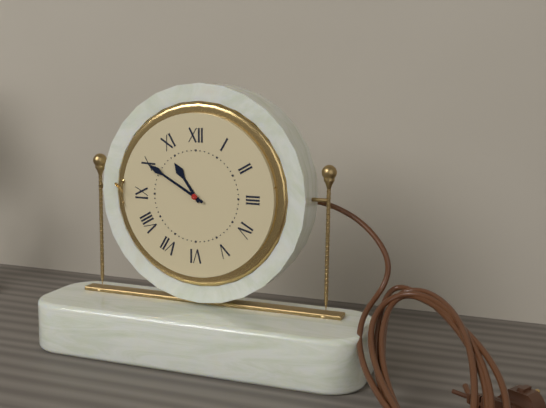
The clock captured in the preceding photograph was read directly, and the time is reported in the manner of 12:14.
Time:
10:50
